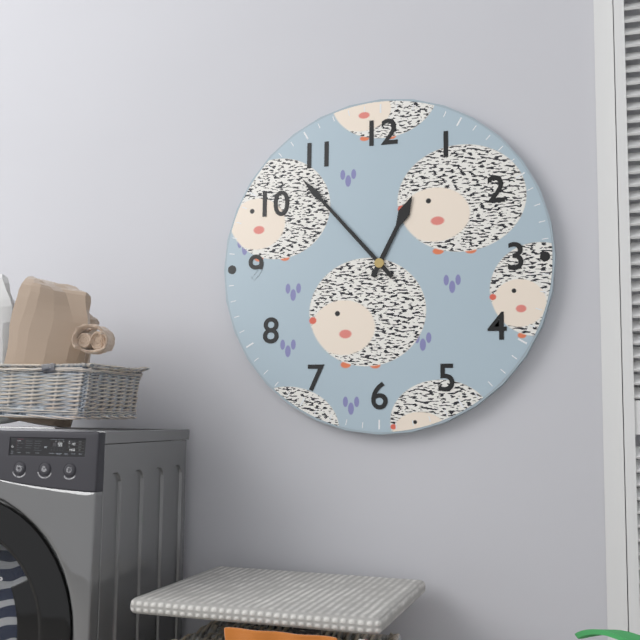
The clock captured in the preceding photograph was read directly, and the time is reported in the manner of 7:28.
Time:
12:53
